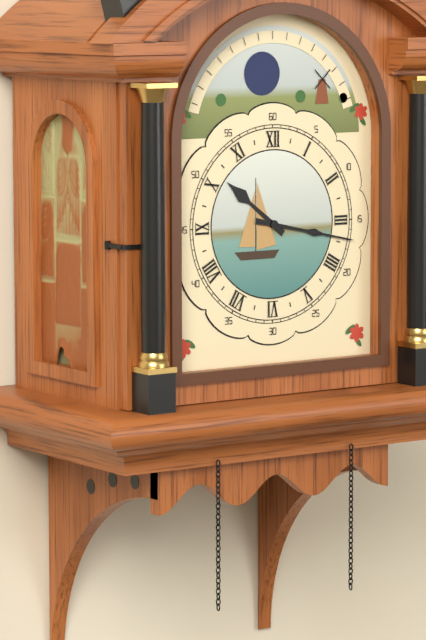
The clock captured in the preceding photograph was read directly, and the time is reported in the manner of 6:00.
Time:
10:17
